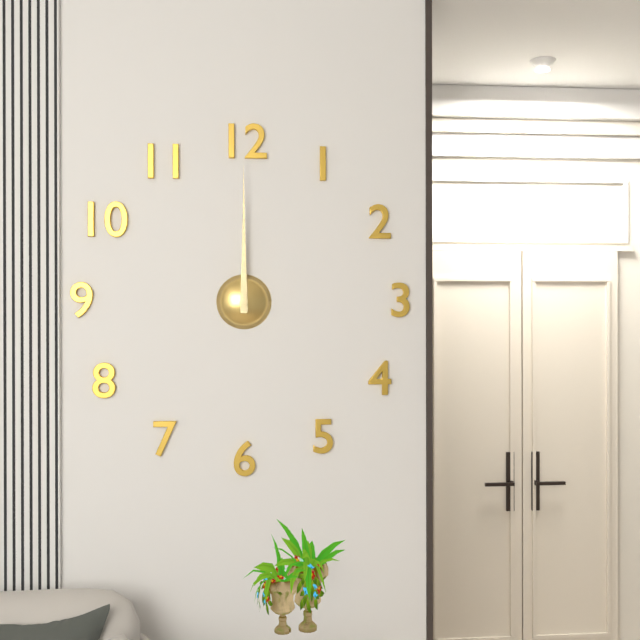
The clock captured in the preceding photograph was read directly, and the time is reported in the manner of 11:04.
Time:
12:00
